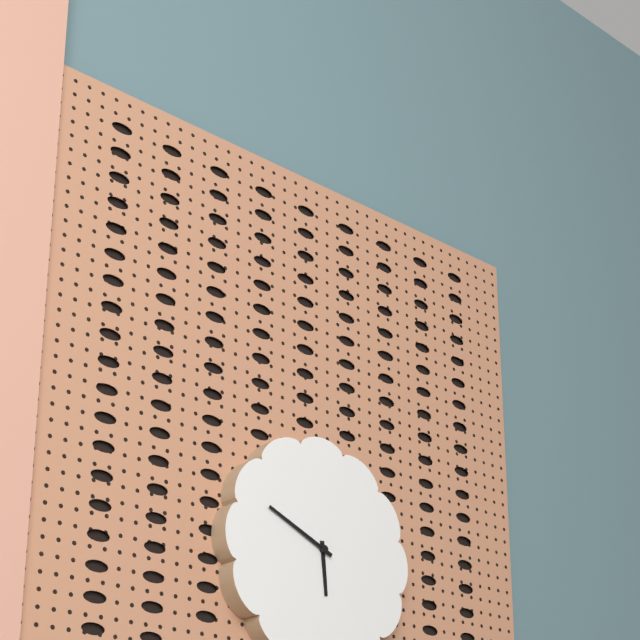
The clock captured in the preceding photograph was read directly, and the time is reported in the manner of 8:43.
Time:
5:49
